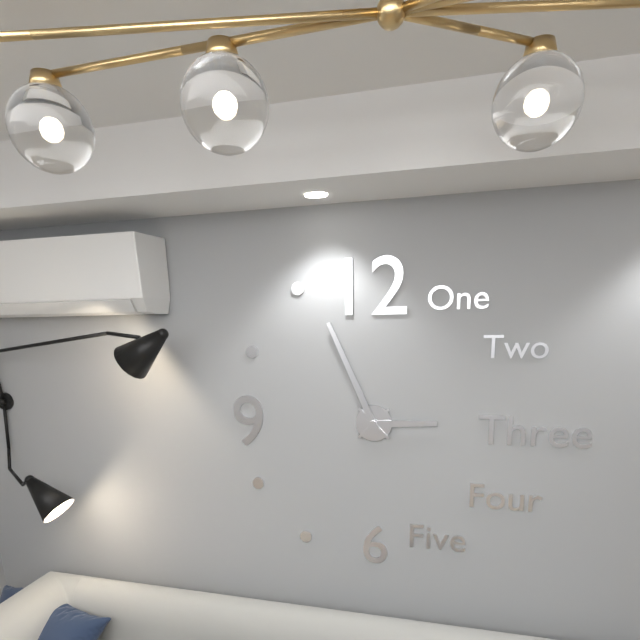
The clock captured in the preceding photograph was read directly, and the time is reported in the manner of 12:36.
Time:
2:56
